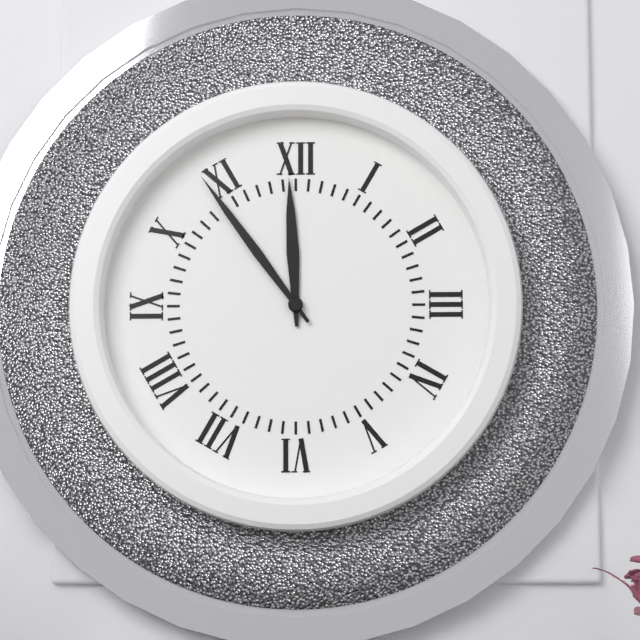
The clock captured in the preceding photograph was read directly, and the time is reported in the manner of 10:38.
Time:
11:54
